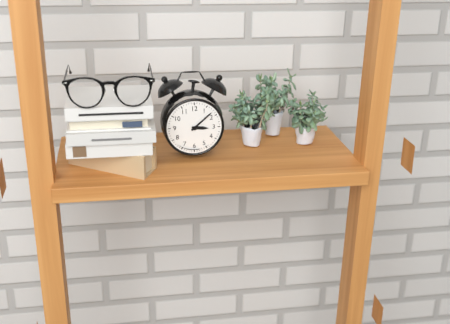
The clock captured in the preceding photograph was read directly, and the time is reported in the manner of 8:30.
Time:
3:08
